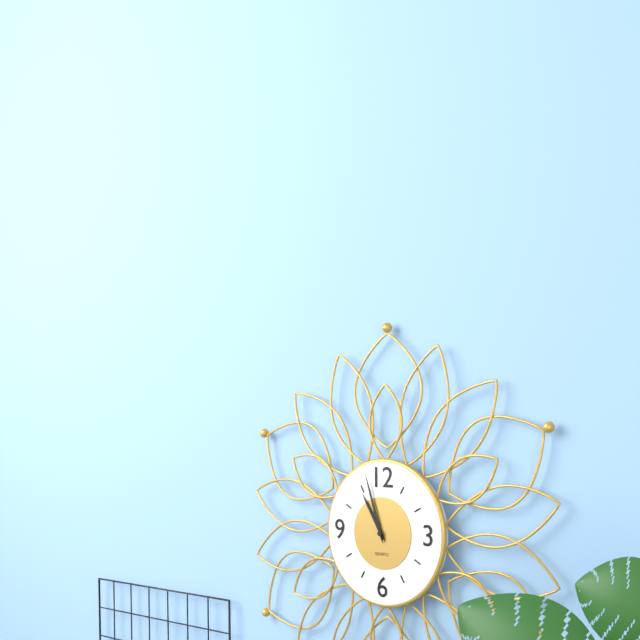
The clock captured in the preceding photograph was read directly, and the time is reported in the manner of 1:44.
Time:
10:57
